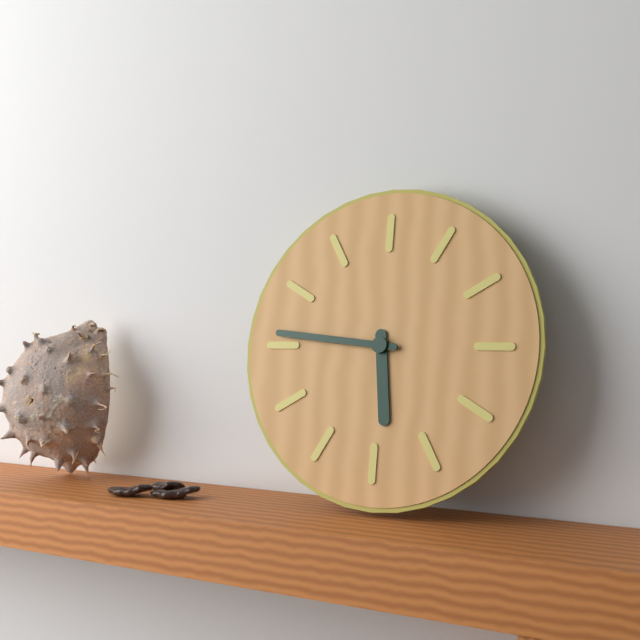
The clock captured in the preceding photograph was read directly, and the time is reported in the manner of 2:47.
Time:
5:46
